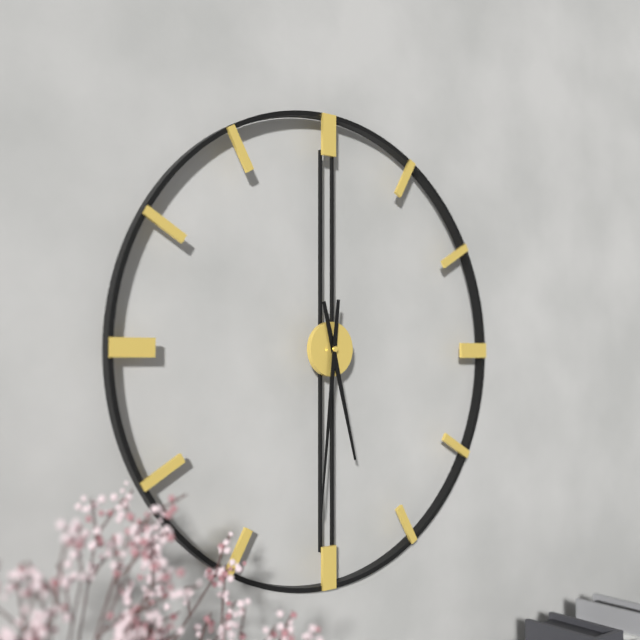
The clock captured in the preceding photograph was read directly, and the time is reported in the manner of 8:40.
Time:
5:31
